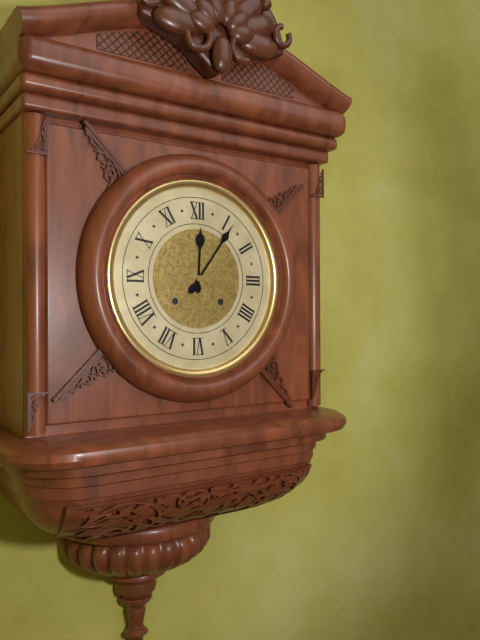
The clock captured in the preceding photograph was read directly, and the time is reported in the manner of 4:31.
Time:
12:06
